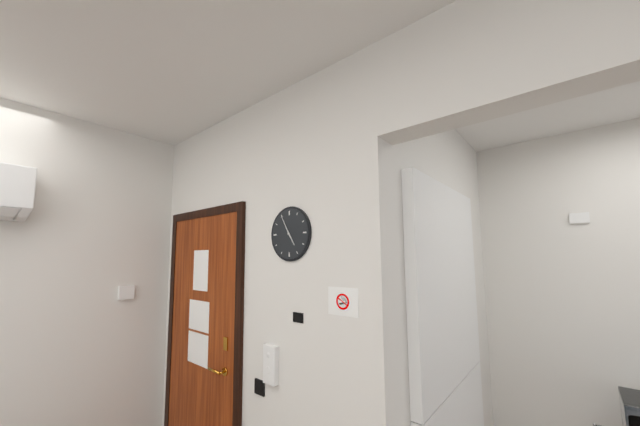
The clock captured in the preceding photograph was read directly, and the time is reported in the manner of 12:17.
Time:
4:55
